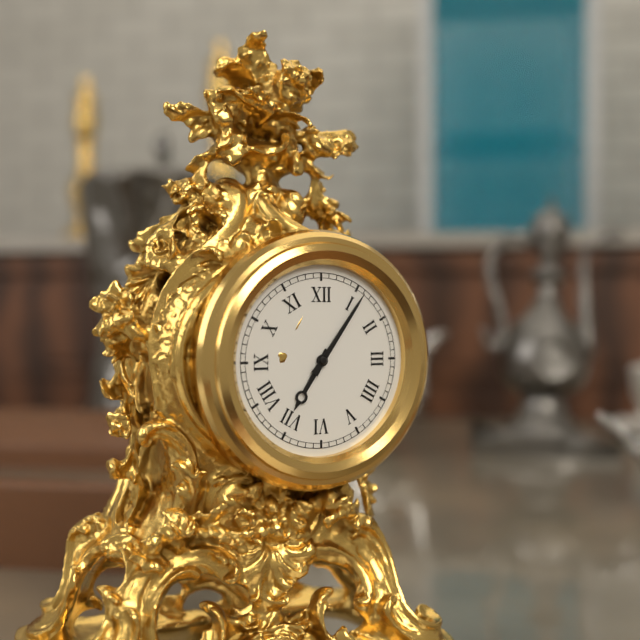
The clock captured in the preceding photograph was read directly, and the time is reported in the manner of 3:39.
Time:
7:06
